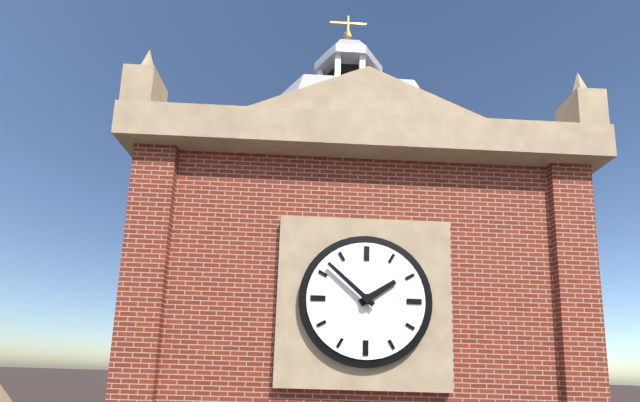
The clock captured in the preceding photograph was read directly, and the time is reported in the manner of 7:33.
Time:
1:52
